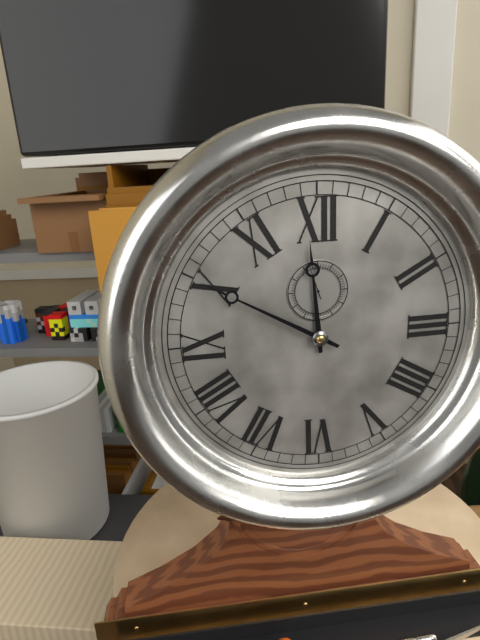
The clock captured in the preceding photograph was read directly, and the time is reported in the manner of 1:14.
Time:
11:50
